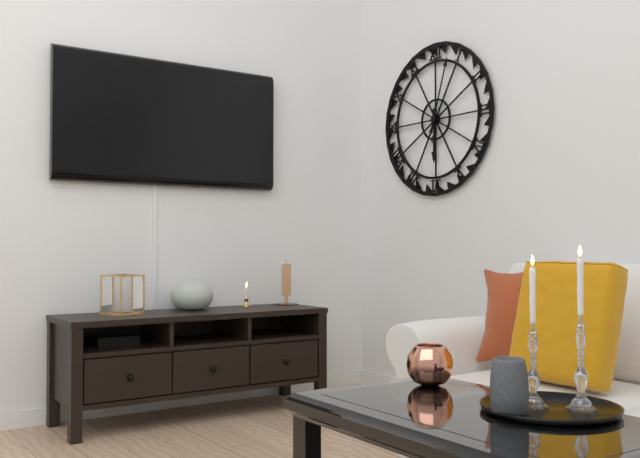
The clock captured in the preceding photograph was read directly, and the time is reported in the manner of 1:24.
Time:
6:03
